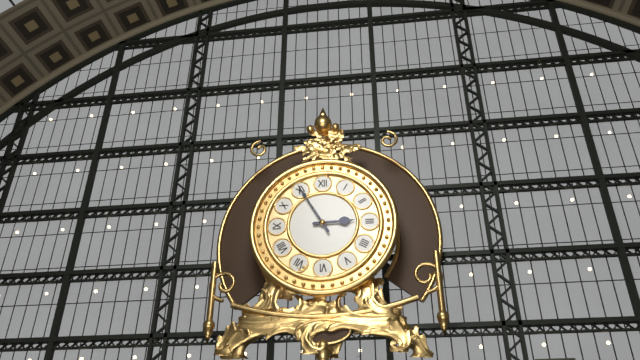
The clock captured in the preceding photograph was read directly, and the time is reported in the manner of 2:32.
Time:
2:55
